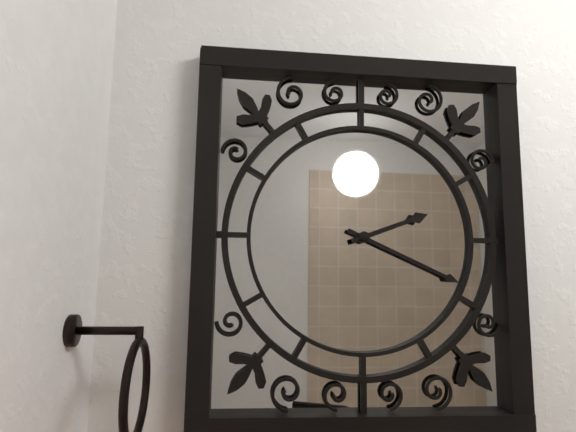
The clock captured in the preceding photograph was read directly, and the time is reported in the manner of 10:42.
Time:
2:19
